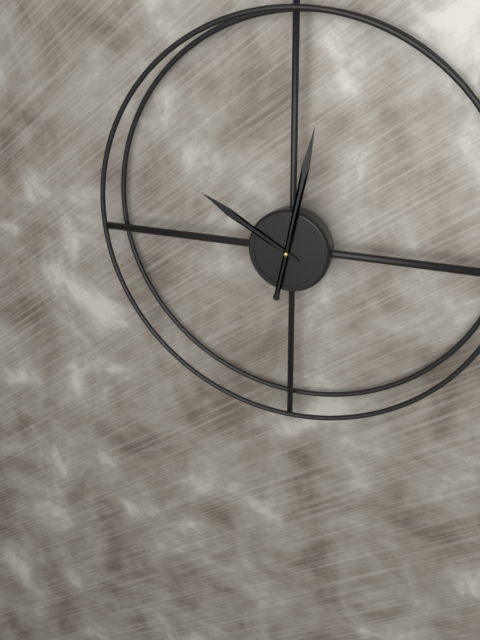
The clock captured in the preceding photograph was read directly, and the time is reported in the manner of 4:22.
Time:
10:02
